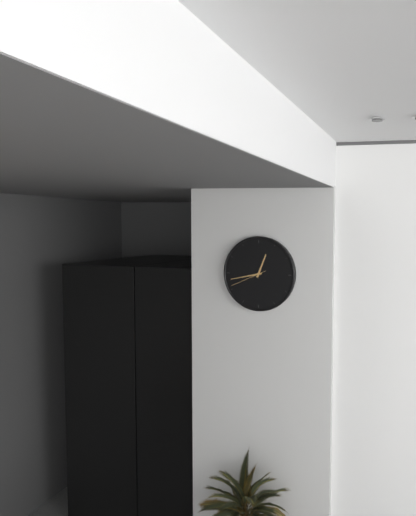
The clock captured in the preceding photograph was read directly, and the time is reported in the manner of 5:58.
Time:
12:43
